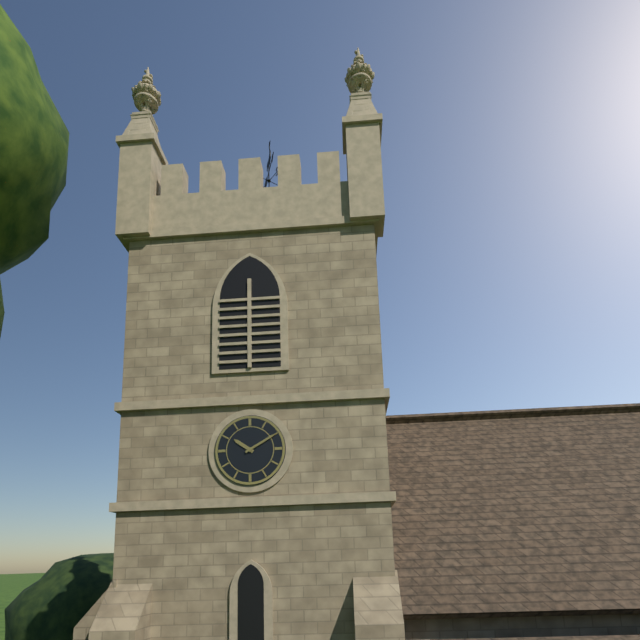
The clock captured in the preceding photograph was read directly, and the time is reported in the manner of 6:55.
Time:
10:10
